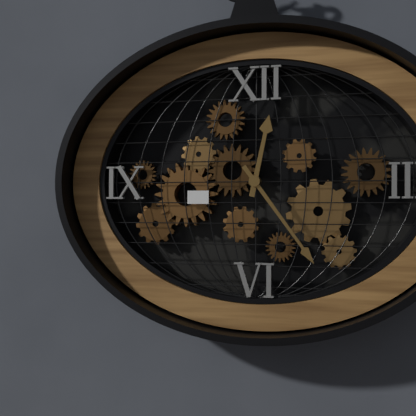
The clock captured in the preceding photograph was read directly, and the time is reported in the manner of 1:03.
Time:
12:24
